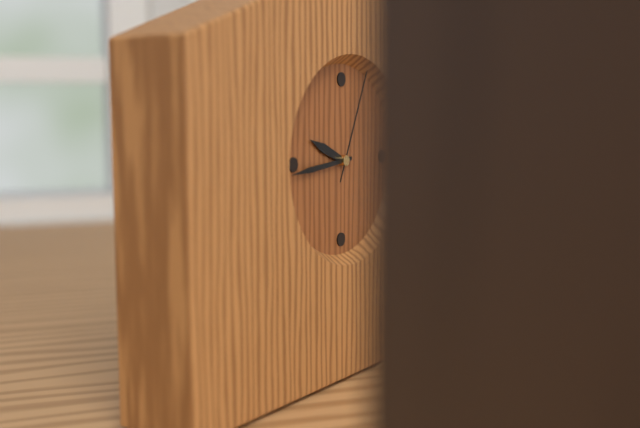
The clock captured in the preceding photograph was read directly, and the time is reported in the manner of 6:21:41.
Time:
9:44:04
